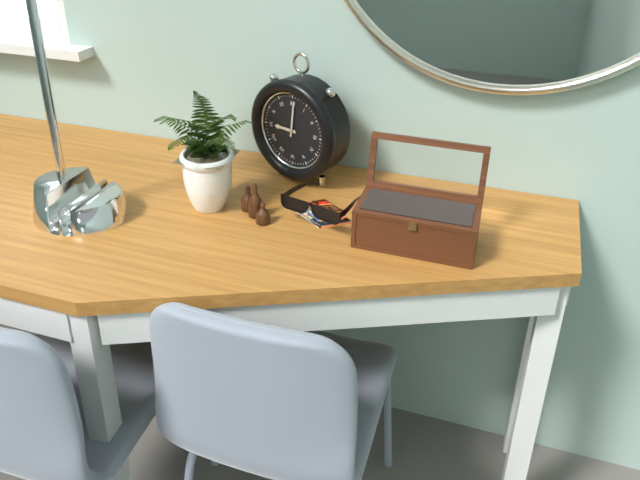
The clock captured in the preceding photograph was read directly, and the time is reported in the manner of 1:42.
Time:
9:01
